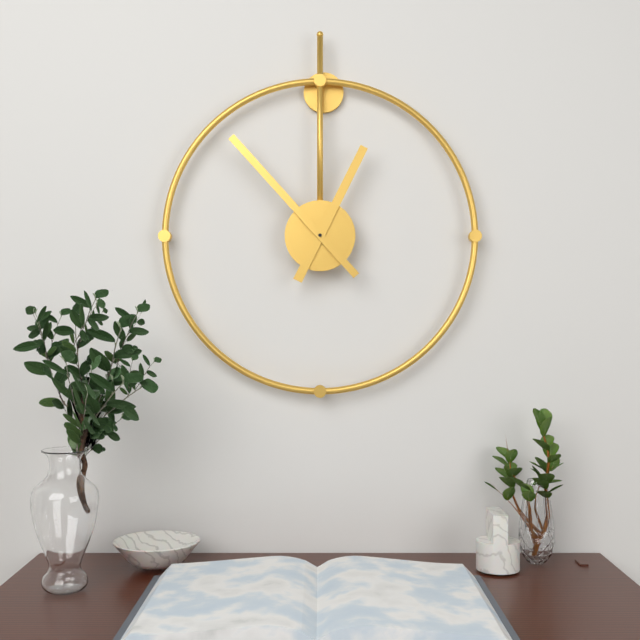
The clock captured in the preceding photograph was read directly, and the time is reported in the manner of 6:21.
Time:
12:53
